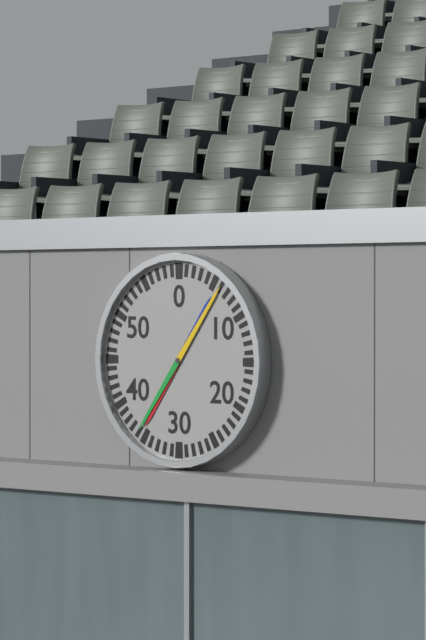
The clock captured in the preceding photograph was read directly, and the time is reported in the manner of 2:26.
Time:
7:06
